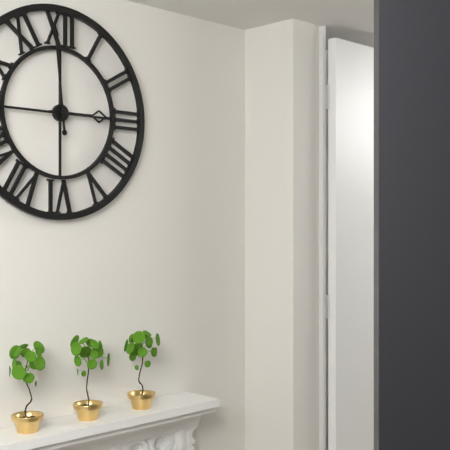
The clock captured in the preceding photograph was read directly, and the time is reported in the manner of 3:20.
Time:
2:59
